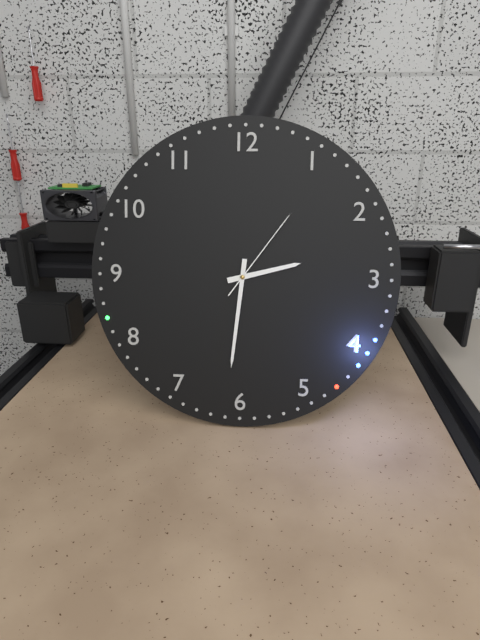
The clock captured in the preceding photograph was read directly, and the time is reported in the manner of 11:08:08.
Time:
2:31:06
